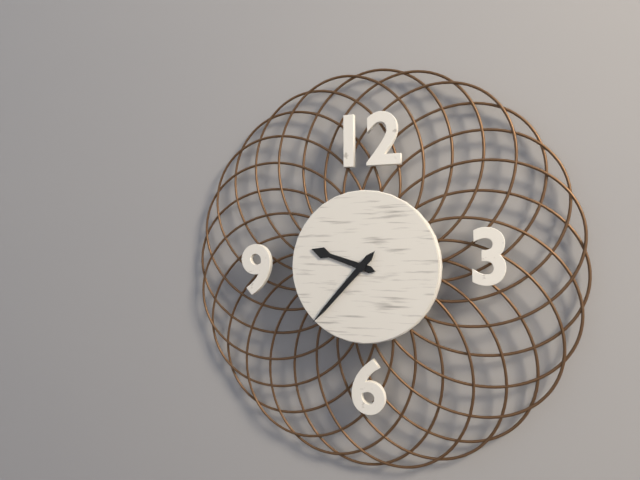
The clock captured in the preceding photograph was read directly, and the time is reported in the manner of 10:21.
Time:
9:37
